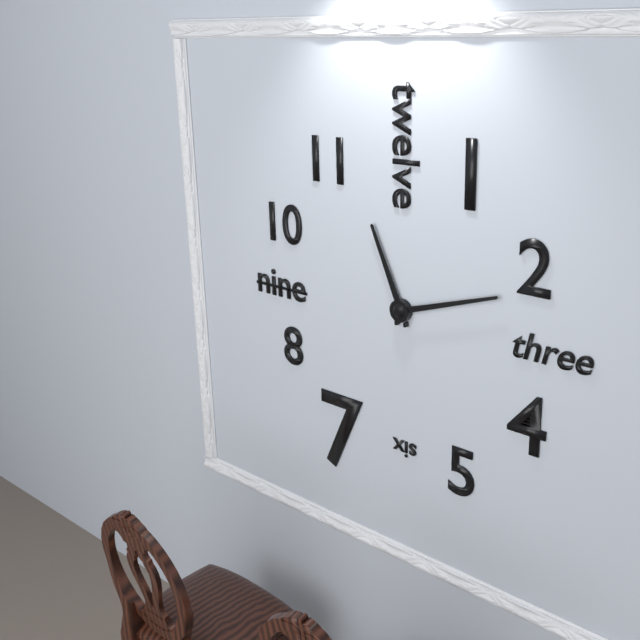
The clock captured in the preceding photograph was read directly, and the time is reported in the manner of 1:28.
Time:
11:12
